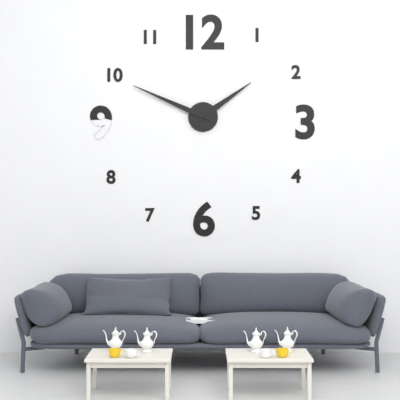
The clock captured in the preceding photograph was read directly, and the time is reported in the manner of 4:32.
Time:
1:49
